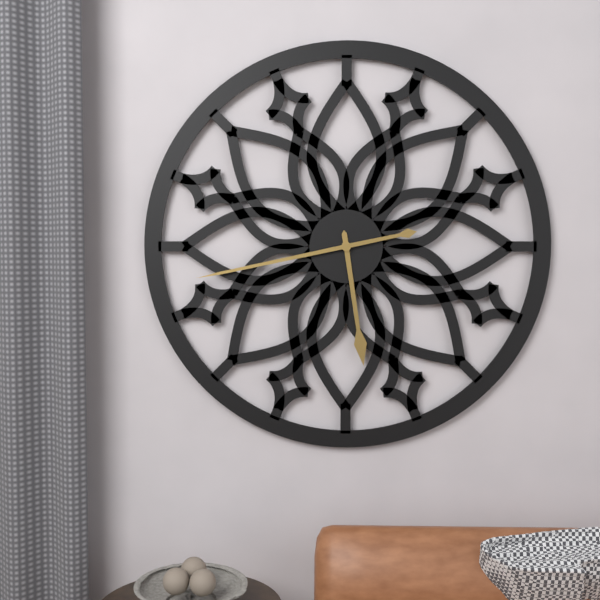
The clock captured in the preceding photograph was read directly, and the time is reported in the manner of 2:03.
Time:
5:43
